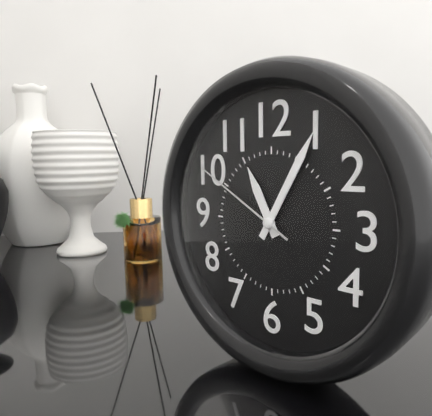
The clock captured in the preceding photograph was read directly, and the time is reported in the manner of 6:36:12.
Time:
11:05:50
